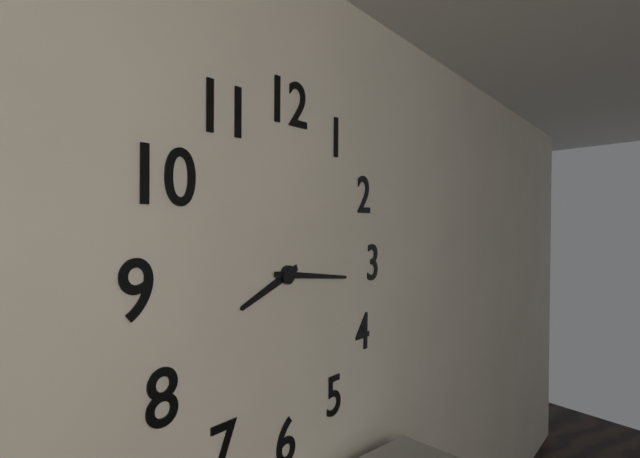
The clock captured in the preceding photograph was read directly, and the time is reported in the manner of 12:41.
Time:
8:16
